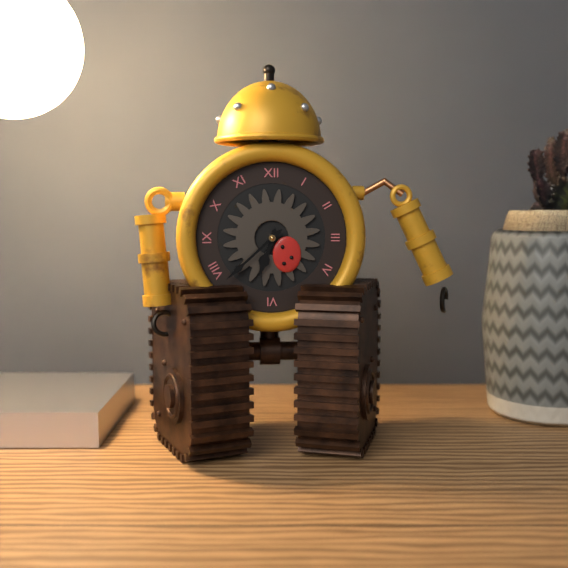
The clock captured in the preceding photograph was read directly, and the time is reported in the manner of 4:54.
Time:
6:38
